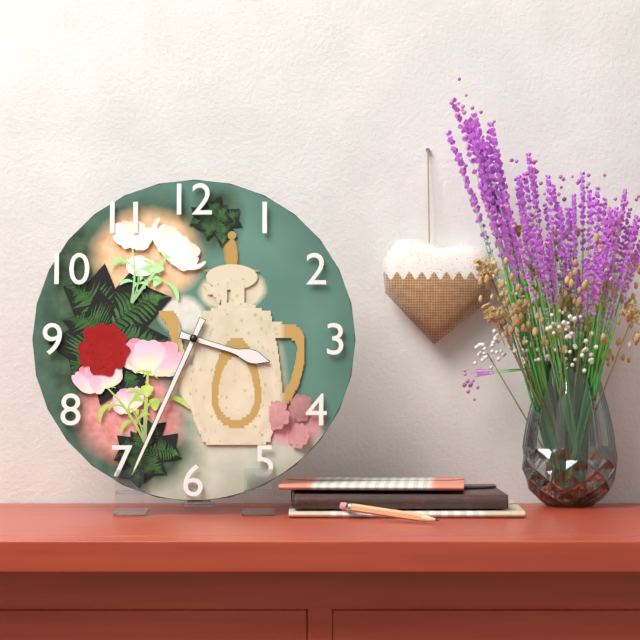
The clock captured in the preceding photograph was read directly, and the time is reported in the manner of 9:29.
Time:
3:34
